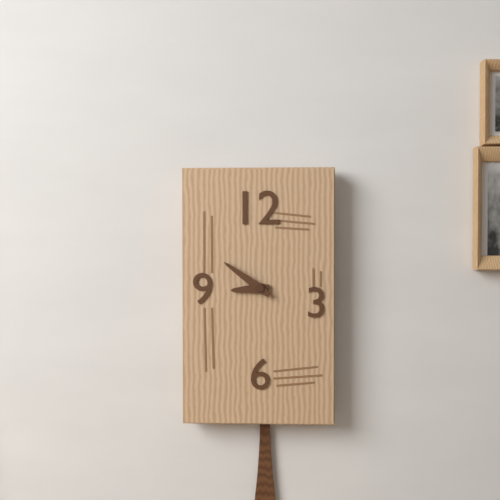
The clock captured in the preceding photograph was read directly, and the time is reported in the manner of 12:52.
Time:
8:51
